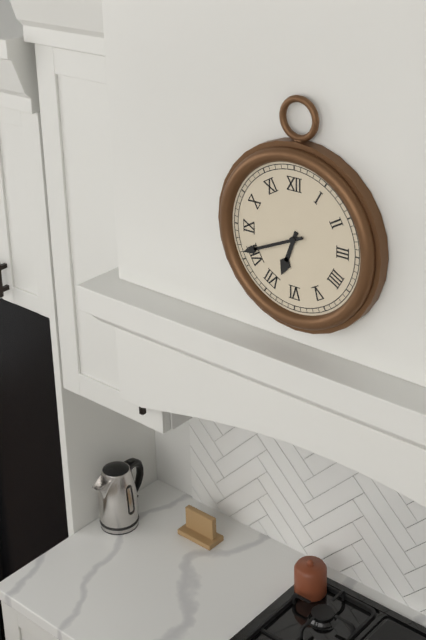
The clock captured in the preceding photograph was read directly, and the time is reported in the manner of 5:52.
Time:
6:41
